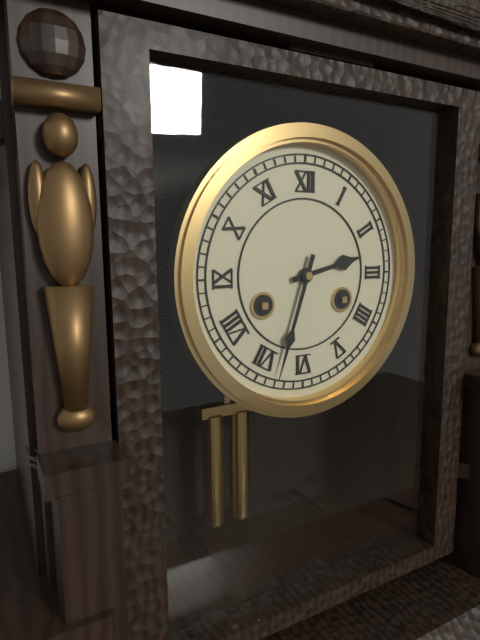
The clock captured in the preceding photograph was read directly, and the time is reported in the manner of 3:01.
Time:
2:33
